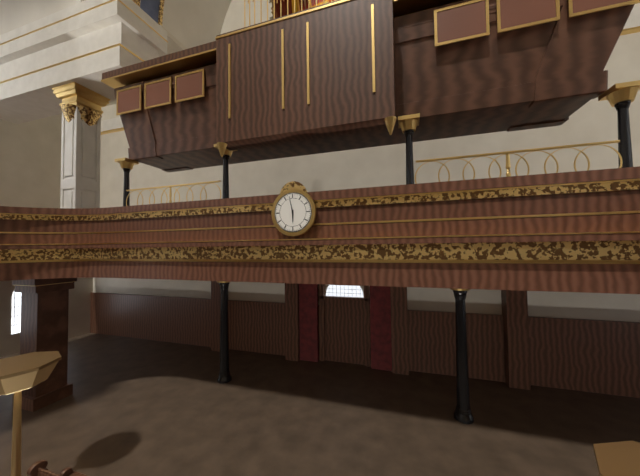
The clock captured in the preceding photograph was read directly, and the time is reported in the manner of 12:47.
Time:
5:58
